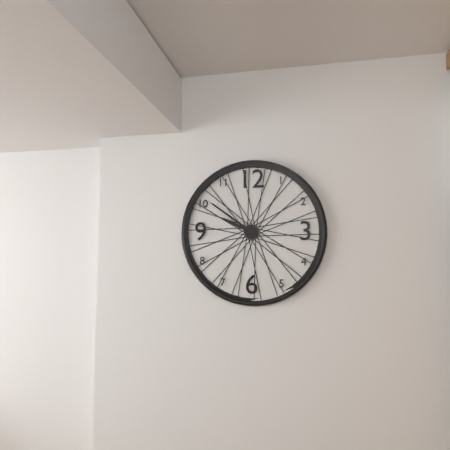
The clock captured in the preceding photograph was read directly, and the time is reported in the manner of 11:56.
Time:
9:51
